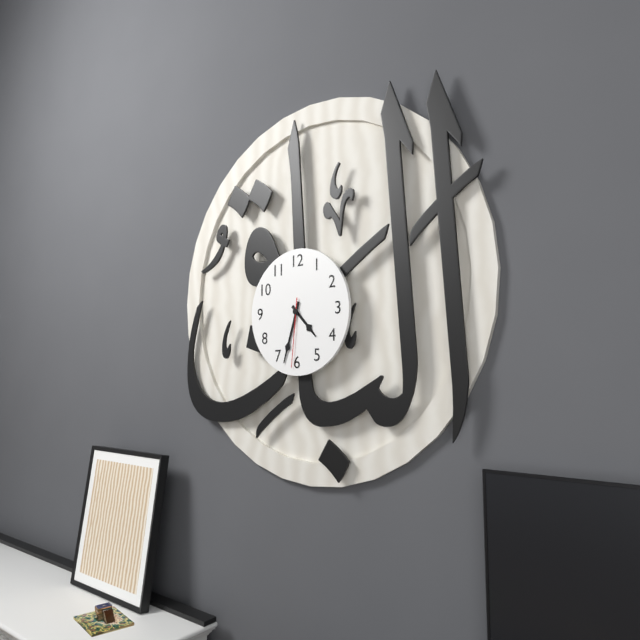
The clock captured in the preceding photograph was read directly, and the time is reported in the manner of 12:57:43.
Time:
4:33:31
